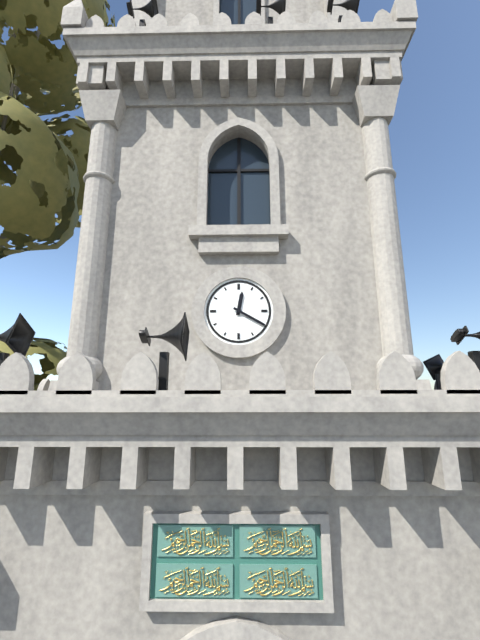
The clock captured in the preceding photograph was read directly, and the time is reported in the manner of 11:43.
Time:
12:20
